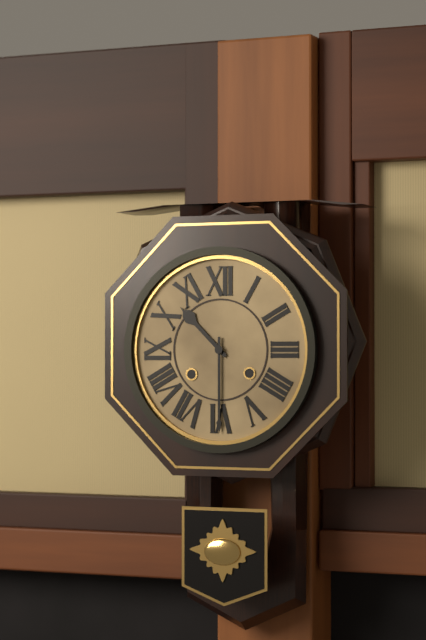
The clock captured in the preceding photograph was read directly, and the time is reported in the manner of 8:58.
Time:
10:30
